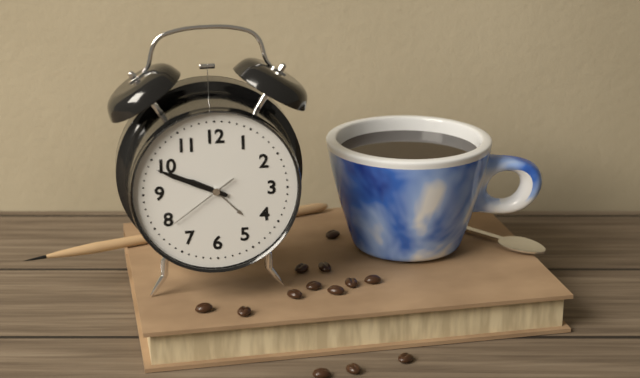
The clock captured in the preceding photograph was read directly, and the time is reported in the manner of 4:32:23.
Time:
9:49:39
